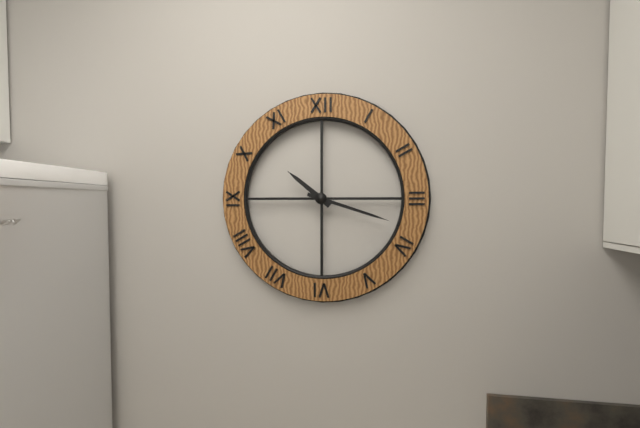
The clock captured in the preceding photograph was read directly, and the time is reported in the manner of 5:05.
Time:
10:18
